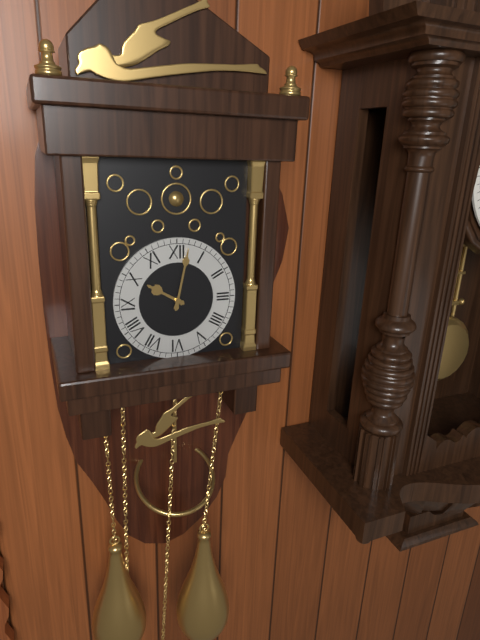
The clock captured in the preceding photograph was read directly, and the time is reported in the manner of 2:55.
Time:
10:02
